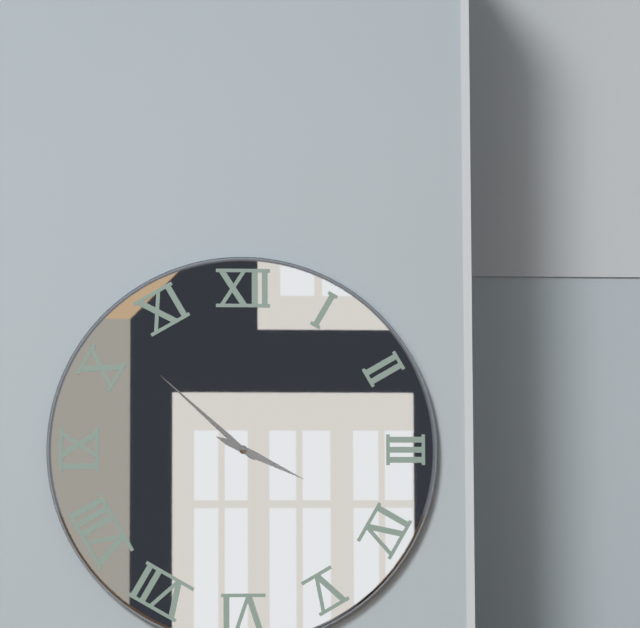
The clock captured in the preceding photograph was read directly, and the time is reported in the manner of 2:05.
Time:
3:52
